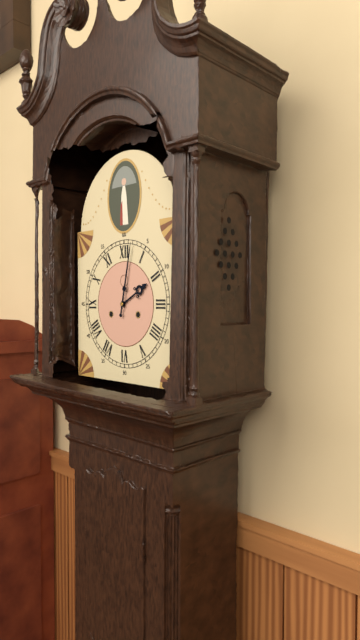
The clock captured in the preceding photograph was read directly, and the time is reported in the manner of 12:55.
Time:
2:02
